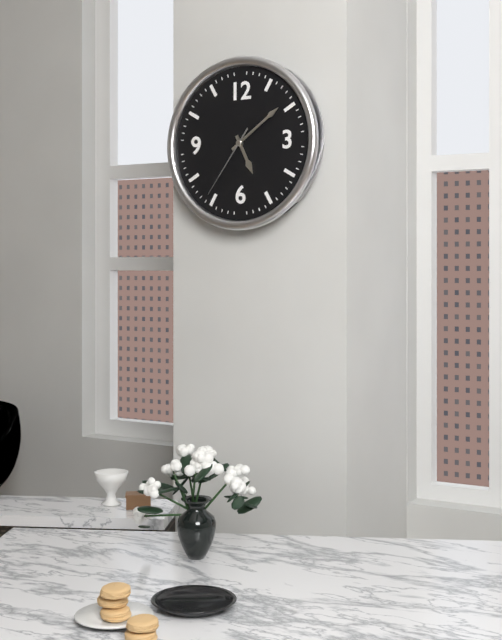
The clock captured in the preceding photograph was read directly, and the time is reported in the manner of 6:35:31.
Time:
5:09:36
